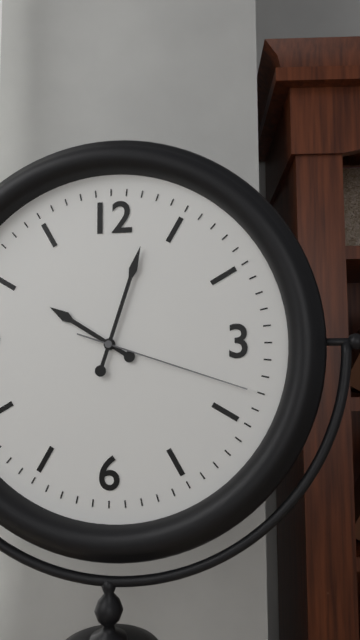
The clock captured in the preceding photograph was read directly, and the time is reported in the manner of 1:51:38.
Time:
10:03:18
